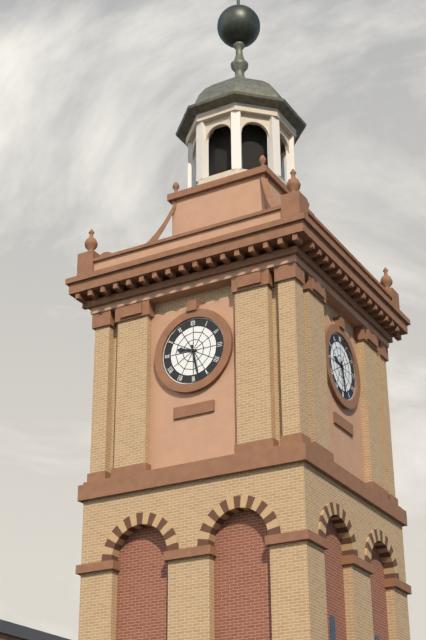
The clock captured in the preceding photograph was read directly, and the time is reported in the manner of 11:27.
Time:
9:28
